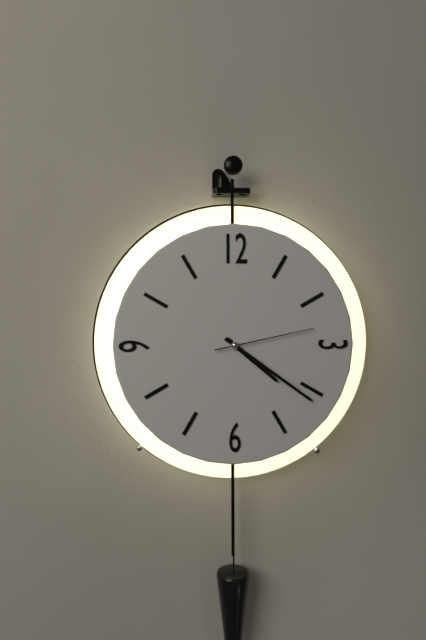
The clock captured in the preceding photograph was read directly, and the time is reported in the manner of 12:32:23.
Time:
4:21:13
